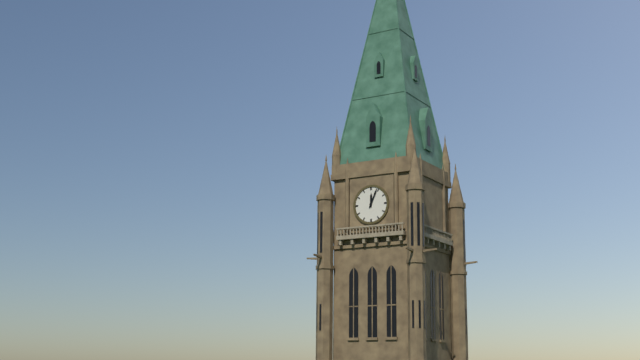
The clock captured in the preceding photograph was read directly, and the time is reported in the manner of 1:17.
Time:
12:04
